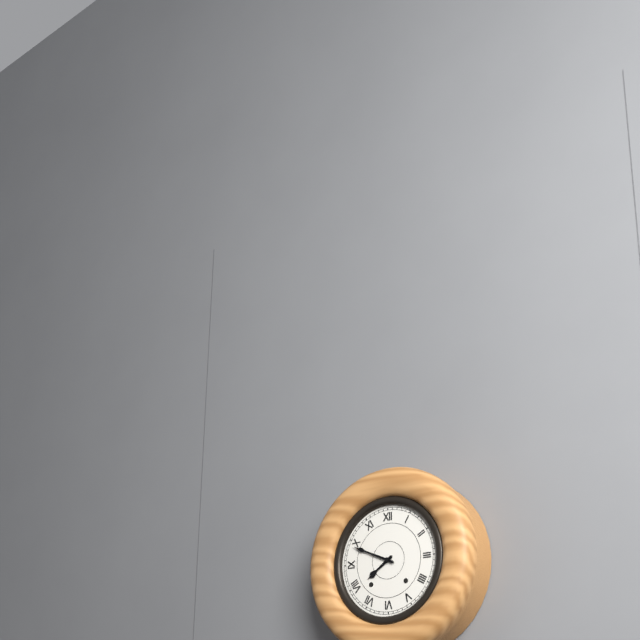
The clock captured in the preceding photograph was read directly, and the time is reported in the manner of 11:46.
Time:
7:49
